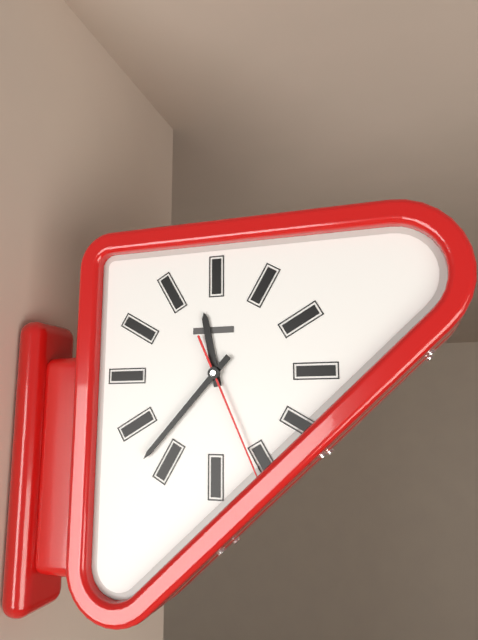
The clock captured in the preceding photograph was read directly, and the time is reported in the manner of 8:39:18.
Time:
11:37:26
